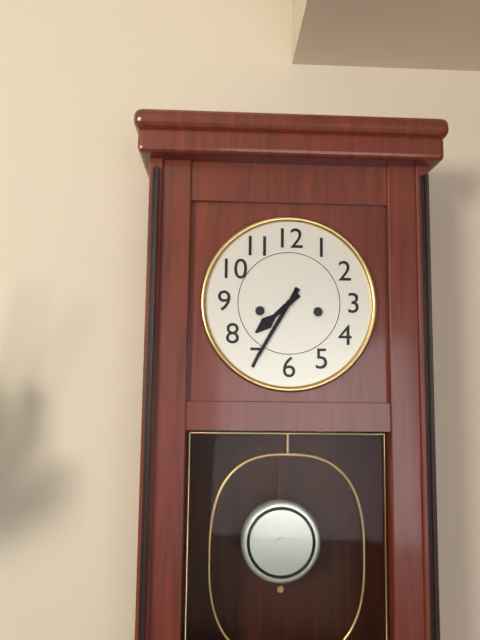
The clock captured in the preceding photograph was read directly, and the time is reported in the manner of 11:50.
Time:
7:35
